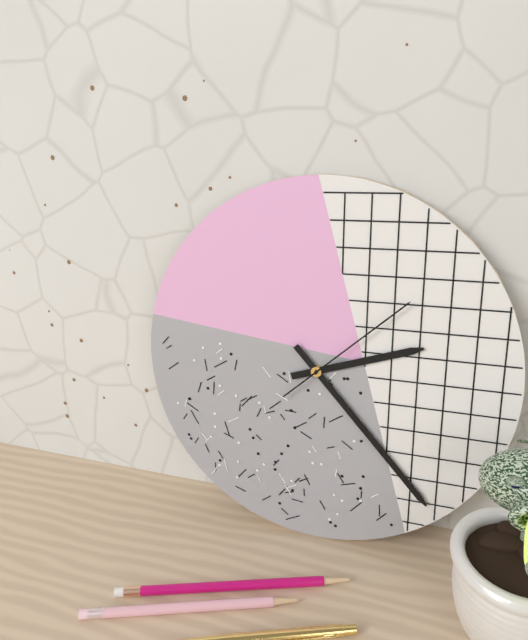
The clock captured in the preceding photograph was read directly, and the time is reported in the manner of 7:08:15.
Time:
2:23:08
